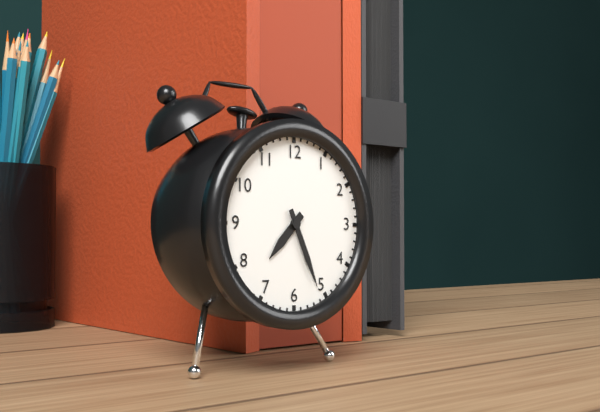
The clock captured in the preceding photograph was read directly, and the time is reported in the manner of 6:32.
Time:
7:26
